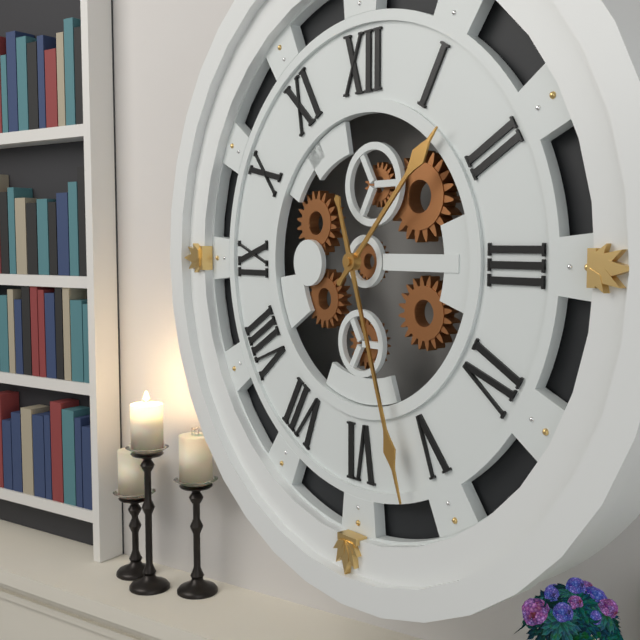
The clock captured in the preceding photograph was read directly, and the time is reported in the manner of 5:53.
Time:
1:27
